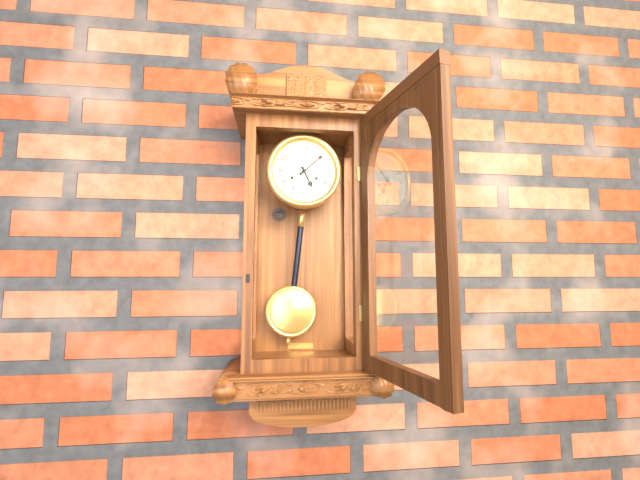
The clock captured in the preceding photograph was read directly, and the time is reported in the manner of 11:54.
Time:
5:08
